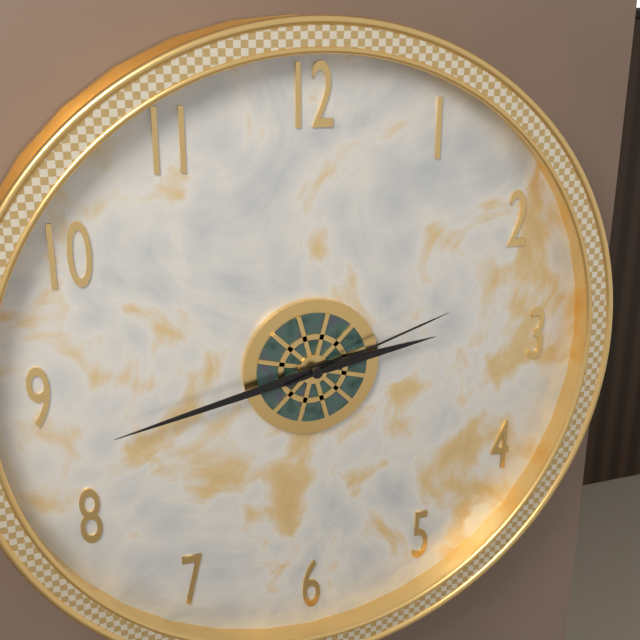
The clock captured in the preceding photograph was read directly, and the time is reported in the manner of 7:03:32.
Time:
2:43:12
